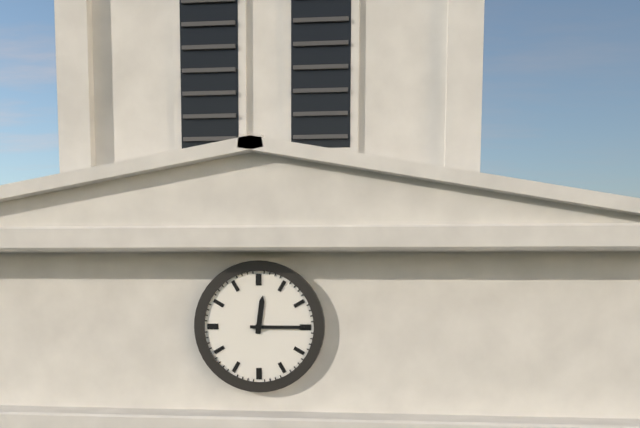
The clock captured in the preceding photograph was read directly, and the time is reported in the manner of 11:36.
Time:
12:15
